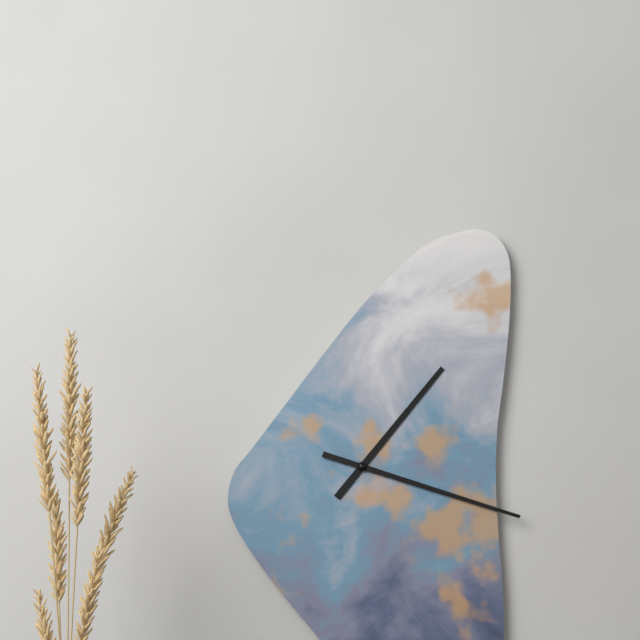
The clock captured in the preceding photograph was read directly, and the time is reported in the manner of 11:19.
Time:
1:18
